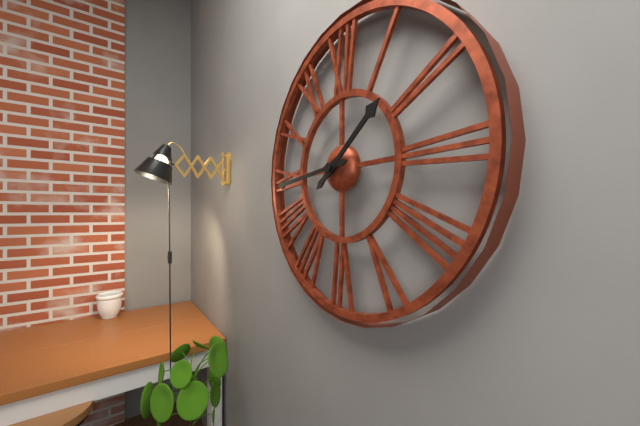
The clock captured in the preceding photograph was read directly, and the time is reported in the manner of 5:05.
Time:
1:44
